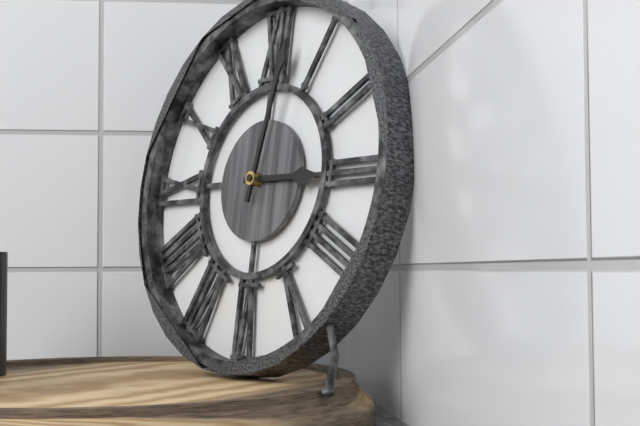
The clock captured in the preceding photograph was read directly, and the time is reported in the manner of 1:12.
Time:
3:02
